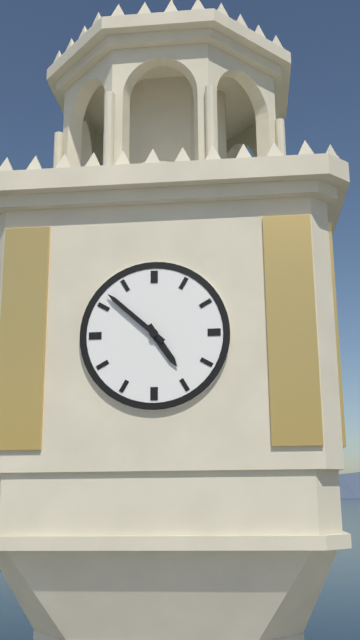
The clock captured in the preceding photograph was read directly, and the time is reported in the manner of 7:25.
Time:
4:52
